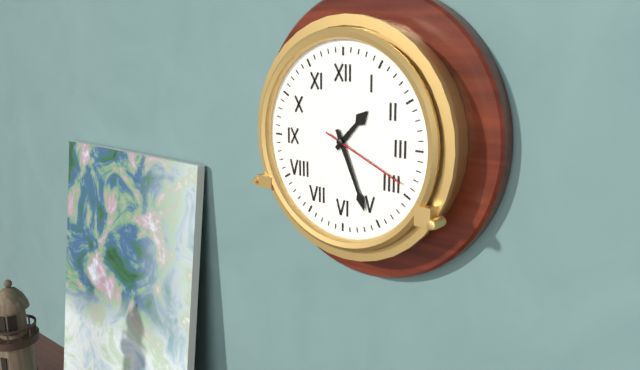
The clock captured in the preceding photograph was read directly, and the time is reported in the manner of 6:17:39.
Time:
1:26:19
